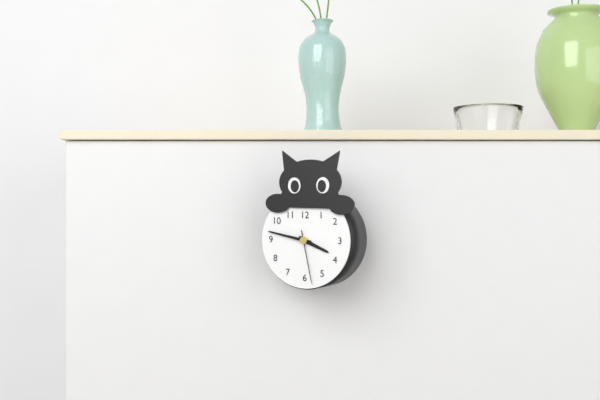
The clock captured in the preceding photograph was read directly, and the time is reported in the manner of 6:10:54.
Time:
3:47:28
